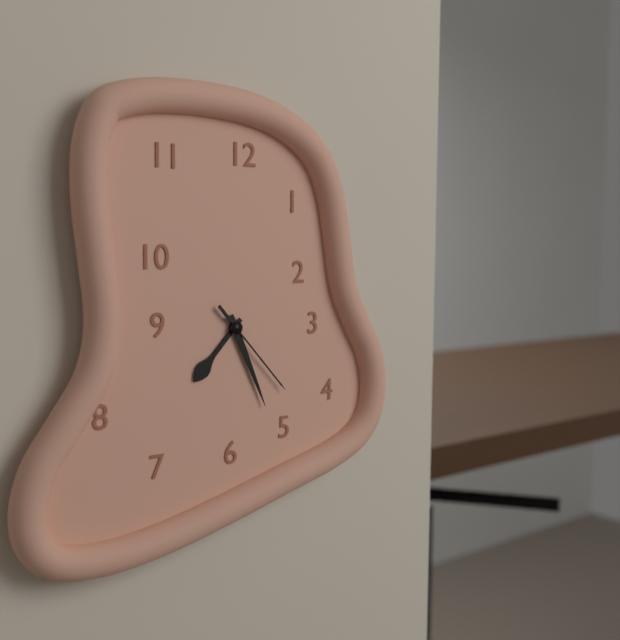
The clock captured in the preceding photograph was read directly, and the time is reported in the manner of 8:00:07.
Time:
7:26:23
